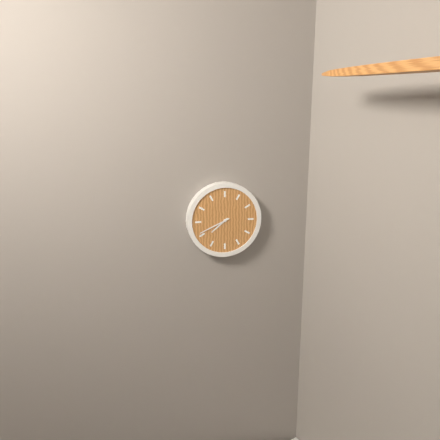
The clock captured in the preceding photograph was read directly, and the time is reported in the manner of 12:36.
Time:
7:41
